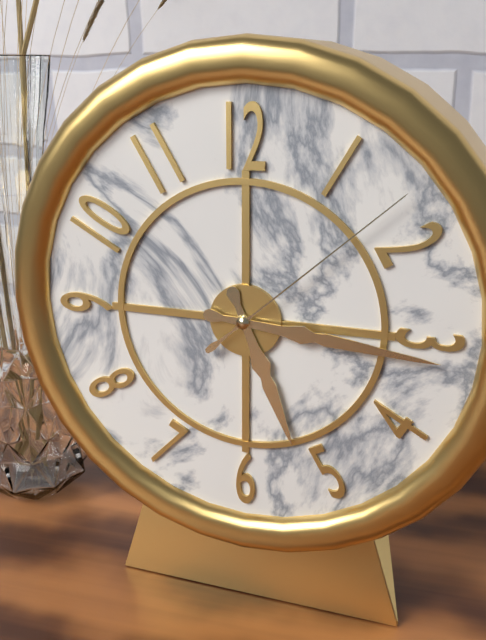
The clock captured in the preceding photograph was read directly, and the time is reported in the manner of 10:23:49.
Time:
5:16:08
